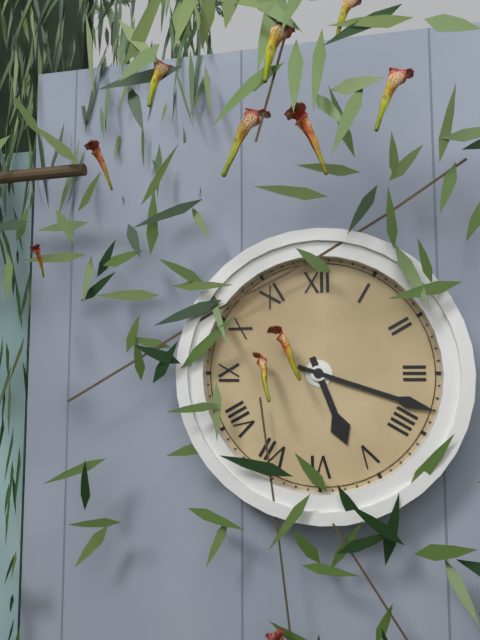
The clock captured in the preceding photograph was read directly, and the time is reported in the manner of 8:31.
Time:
5:18
